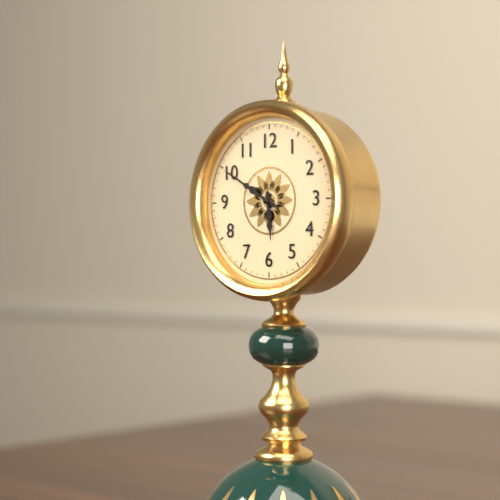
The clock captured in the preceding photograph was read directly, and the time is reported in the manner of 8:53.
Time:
5:50
